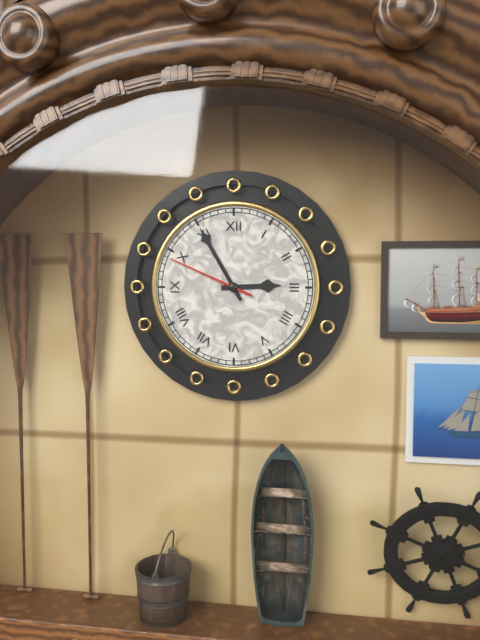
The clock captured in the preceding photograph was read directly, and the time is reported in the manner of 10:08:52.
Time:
2:55:49
